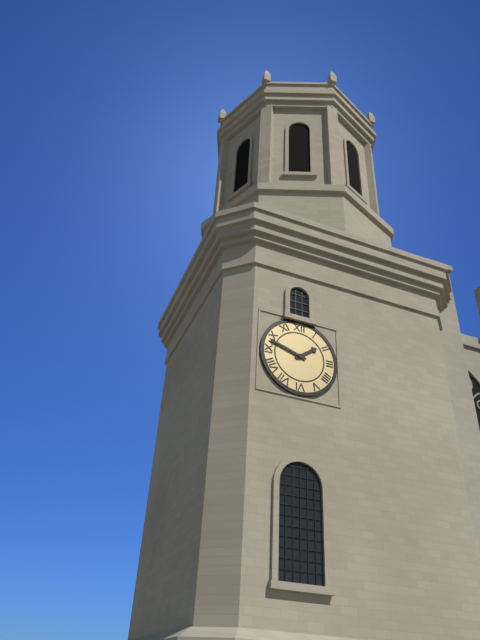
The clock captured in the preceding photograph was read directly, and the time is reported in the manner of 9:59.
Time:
1:48
